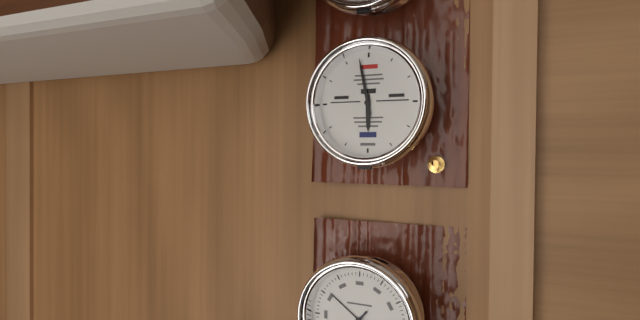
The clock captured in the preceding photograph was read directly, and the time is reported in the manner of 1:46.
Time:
5:58
